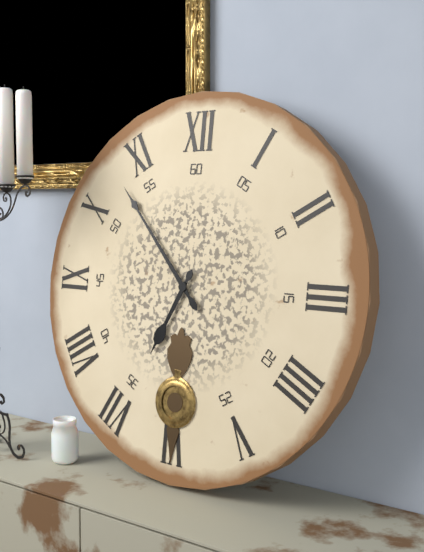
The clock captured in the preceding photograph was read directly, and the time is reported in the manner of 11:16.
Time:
6:53
